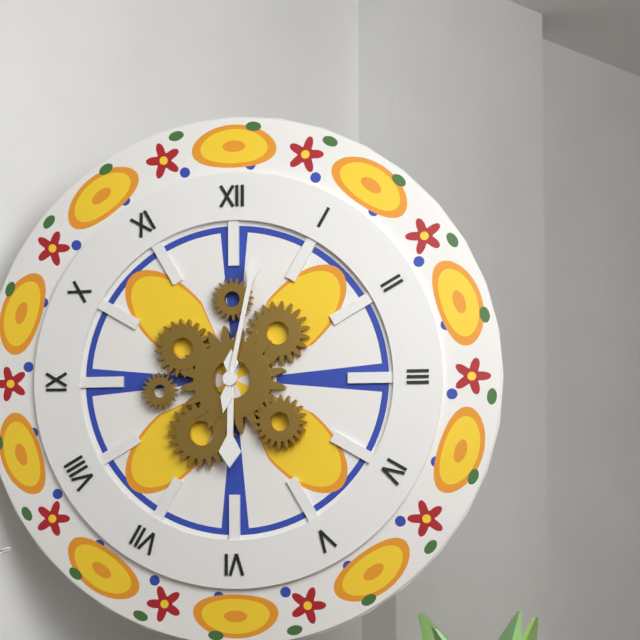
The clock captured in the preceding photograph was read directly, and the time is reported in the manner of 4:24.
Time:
6:02
